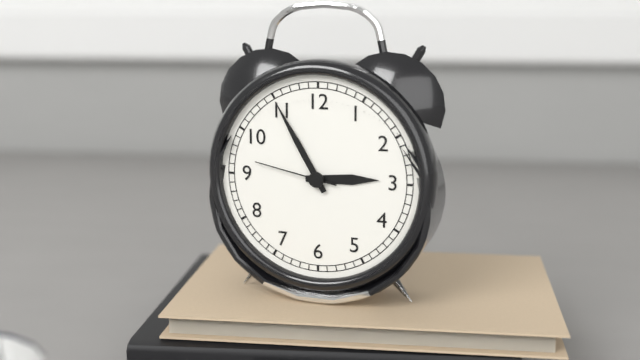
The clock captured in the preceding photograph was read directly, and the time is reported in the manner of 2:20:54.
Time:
2:55:47
